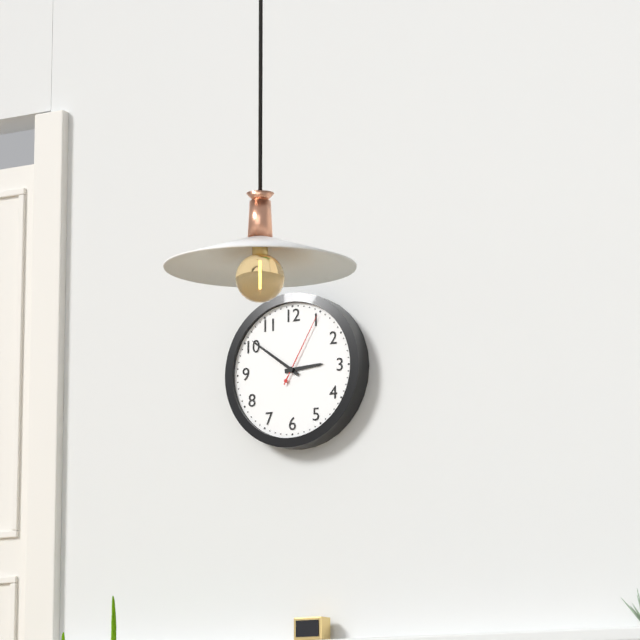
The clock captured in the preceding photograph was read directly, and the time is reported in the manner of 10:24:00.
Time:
2:51:05
